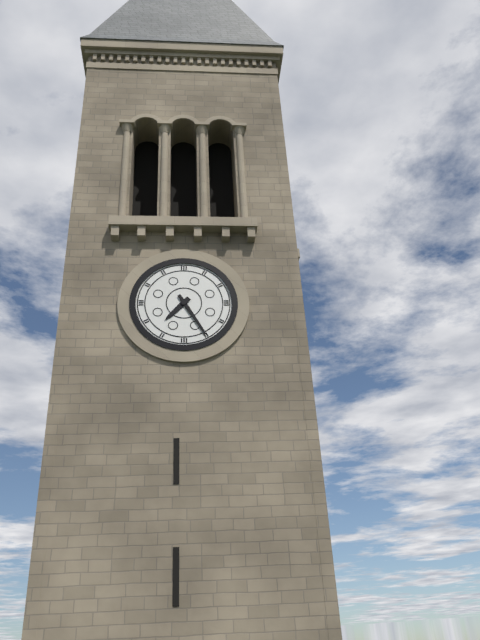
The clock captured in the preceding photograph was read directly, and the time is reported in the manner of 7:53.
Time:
7:25
